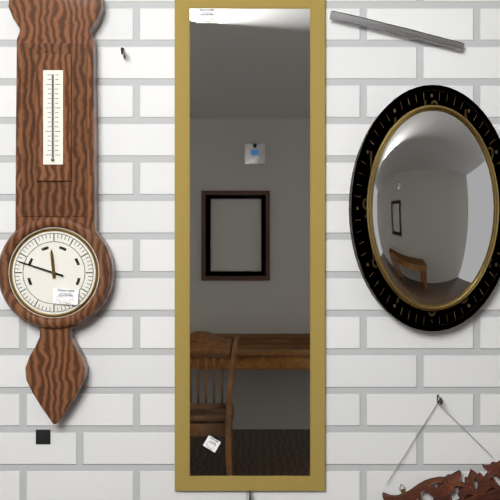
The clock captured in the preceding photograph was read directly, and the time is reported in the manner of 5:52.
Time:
11:48
